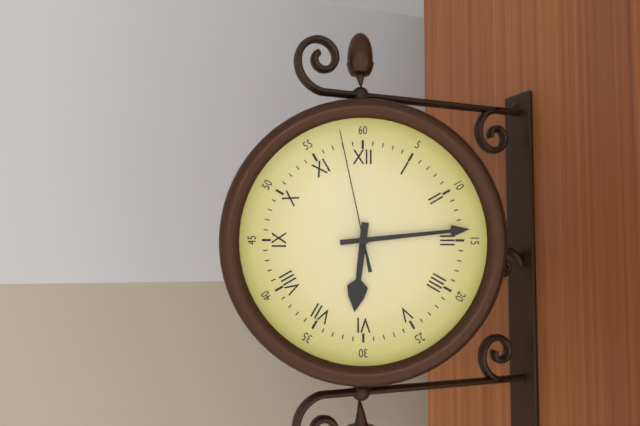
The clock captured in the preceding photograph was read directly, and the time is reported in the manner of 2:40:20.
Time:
6:14:58
